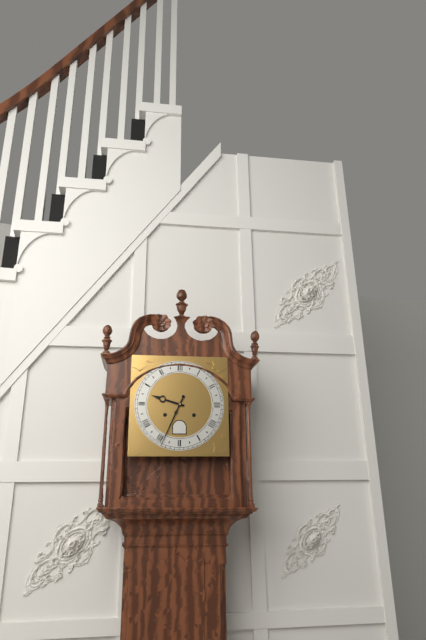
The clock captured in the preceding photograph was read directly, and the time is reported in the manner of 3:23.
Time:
9:34
